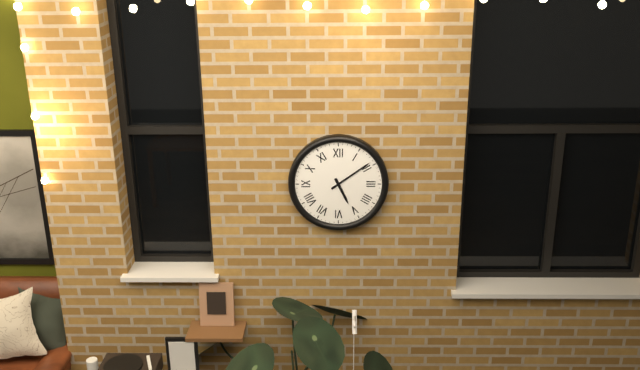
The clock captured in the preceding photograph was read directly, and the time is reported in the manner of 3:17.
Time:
5:09
